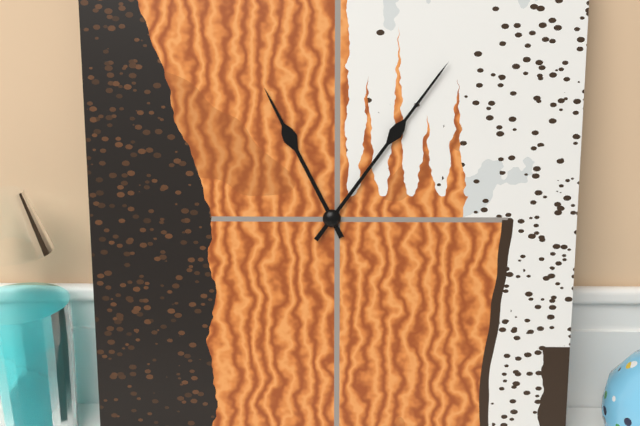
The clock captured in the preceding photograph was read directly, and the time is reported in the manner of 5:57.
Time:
11:06
